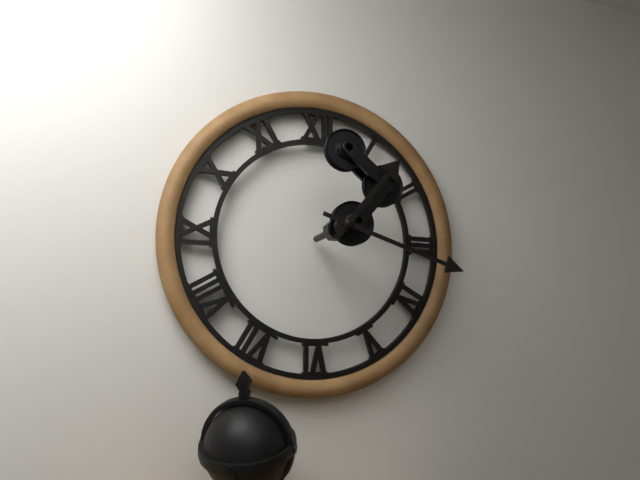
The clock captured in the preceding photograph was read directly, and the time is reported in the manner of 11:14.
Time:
1:18
